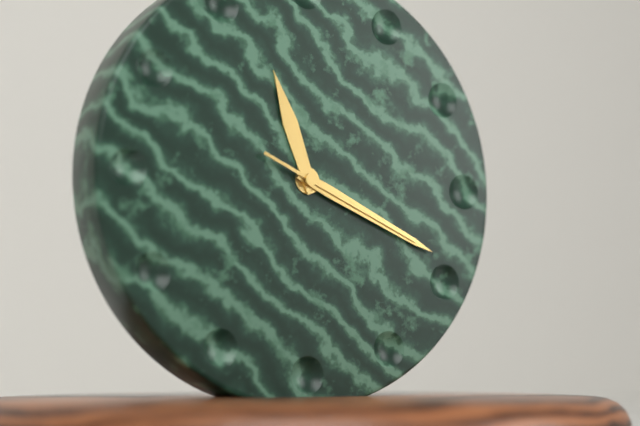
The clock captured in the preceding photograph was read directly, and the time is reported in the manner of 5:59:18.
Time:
11:19:19
